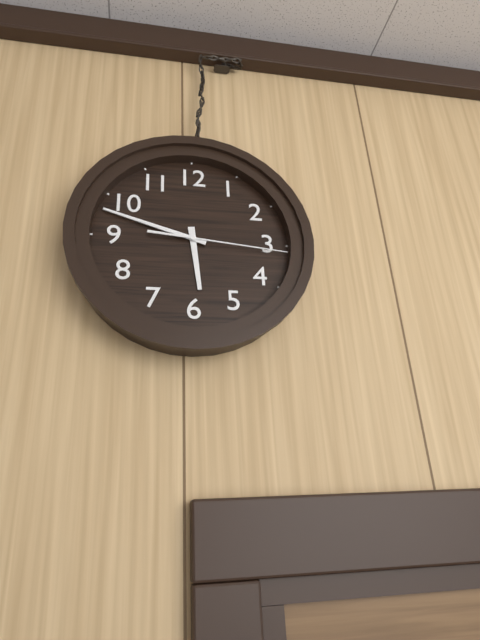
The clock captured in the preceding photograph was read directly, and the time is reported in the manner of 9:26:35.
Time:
5:48:16
